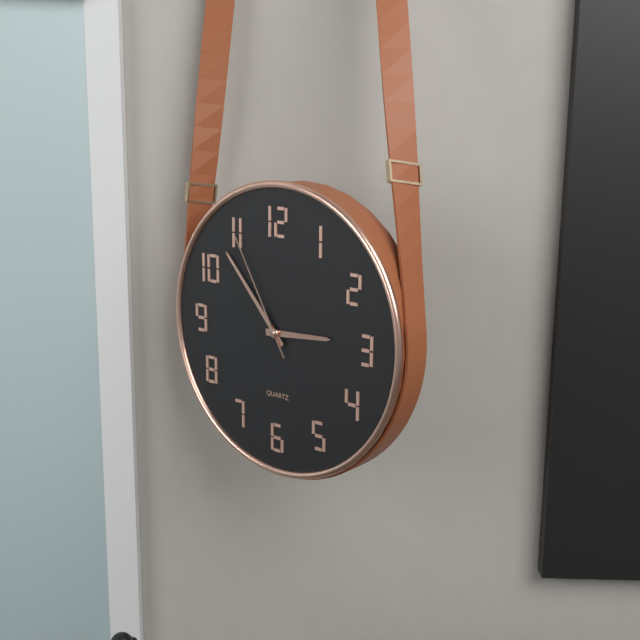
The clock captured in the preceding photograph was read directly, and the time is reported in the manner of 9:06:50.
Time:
2:53:55
